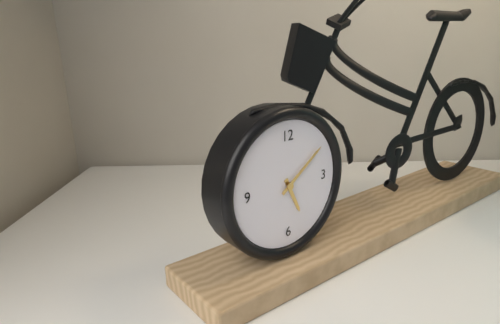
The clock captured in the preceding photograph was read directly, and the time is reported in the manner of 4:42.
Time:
5:09
